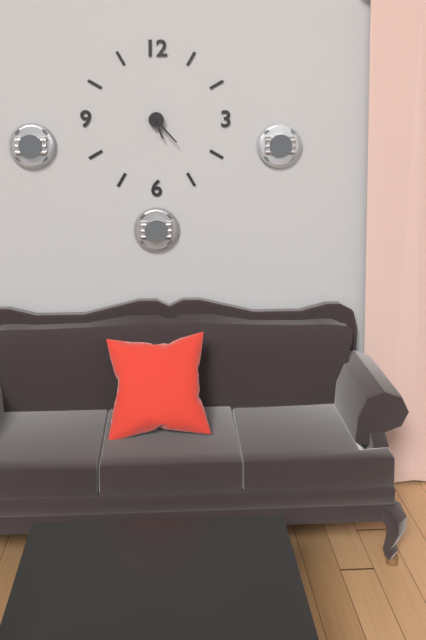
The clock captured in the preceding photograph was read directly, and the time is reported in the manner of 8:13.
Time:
5:23
